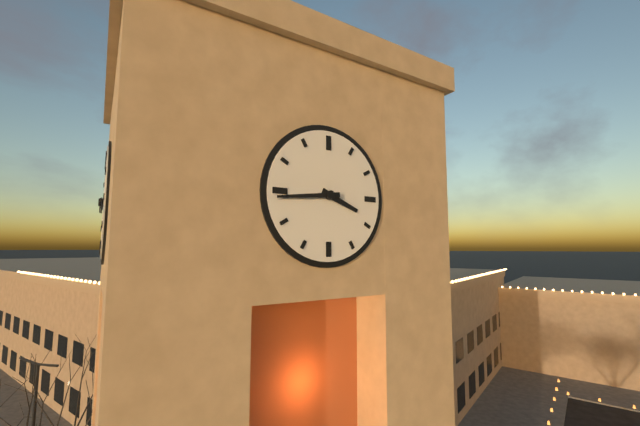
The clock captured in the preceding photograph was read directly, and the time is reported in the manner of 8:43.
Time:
3:44
